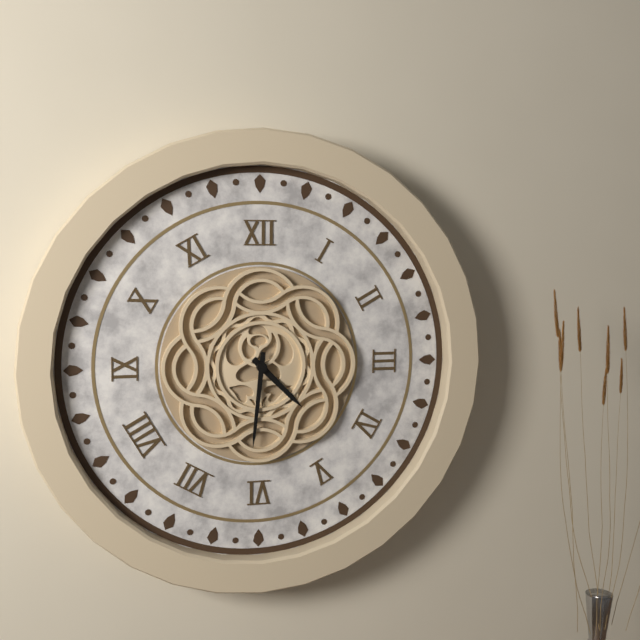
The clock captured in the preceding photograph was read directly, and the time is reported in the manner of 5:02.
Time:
4:31
